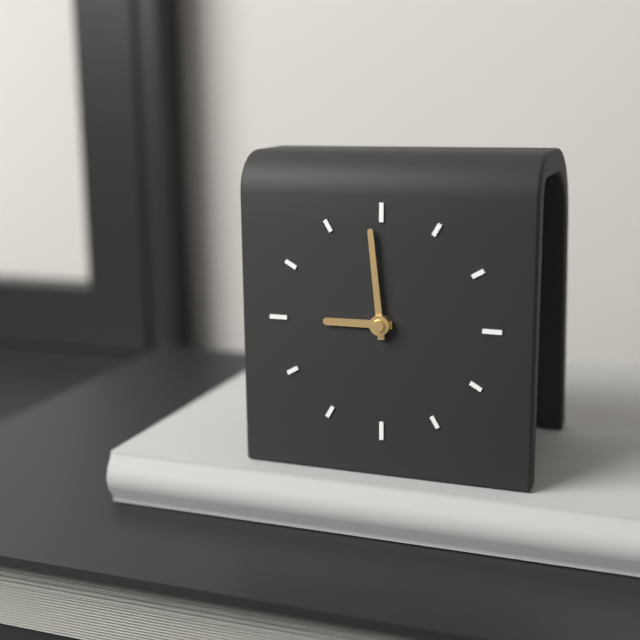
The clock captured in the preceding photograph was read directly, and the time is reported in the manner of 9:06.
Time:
8:59
